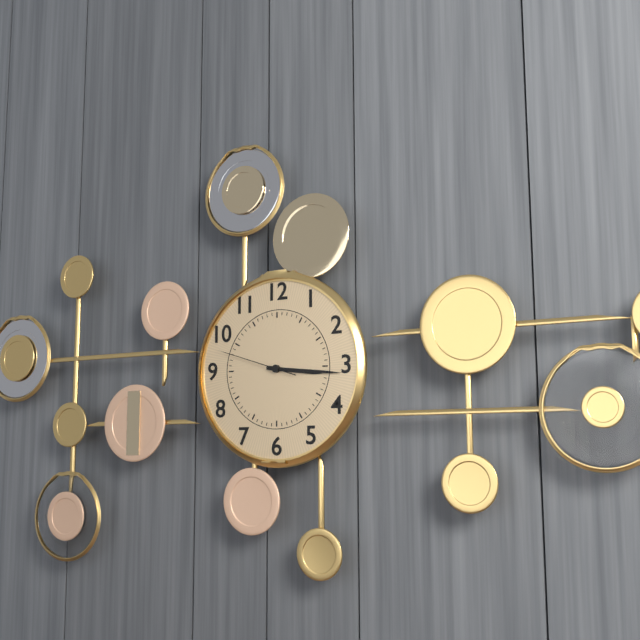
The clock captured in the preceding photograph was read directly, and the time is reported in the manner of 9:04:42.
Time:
3:16:48
